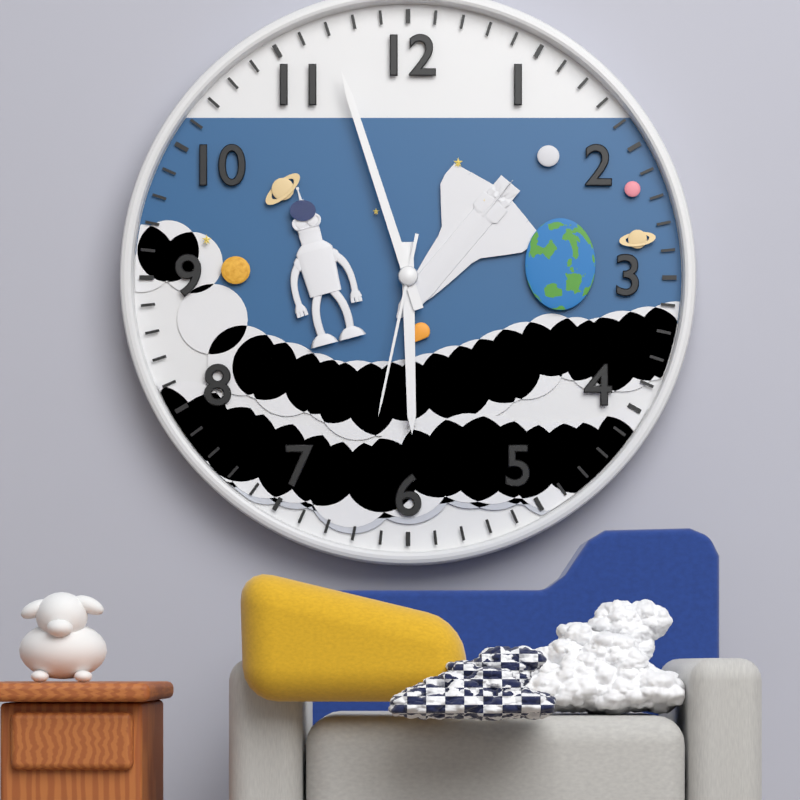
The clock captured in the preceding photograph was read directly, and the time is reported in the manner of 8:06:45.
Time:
5:57:32
